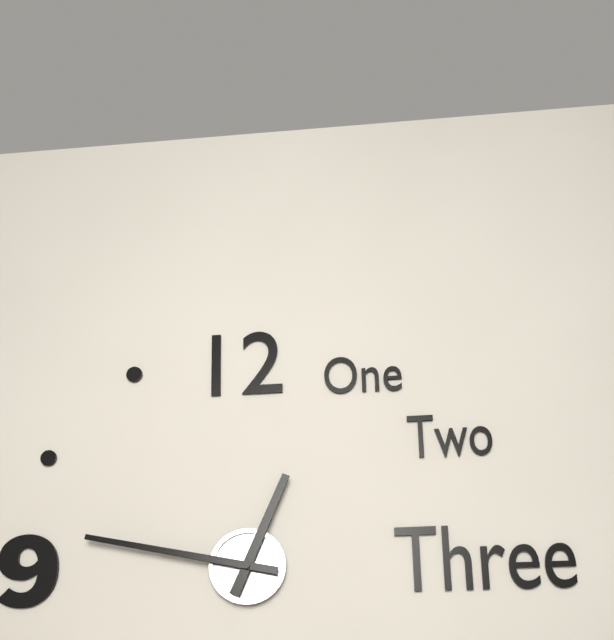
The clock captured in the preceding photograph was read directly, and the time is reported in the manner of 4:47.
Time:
12:47
